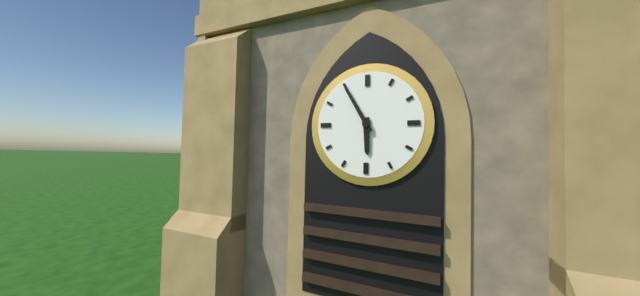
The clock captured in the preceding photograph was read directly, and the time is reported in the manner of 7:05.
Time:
5:55
